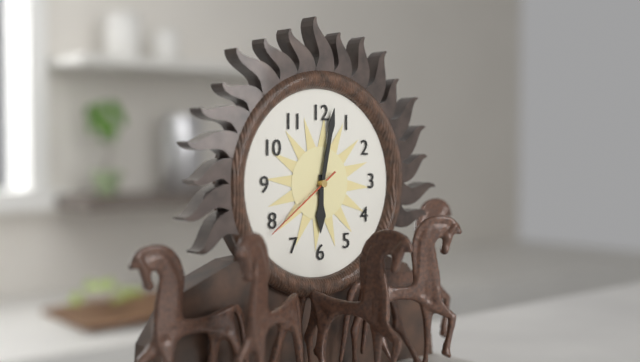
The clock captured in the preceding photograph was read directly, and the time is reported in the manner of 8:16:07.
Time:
6:02:39
